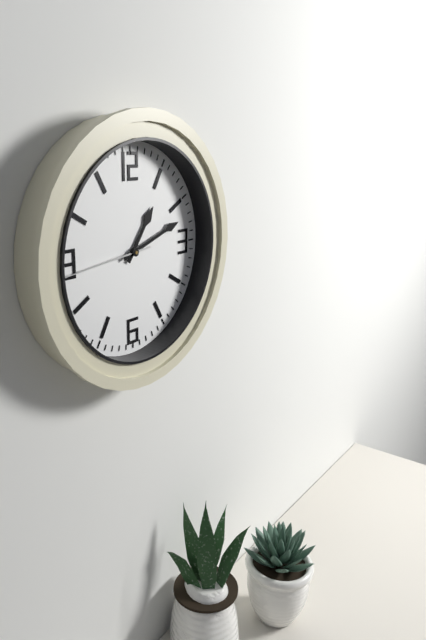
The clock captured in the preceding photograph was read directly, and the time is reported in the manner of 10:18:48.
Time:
1:12:44
